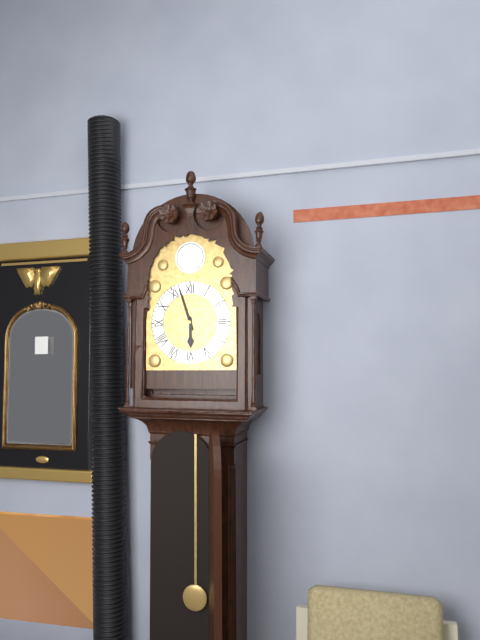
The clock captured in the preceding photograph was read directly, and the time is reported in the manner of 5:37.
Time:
5:57
